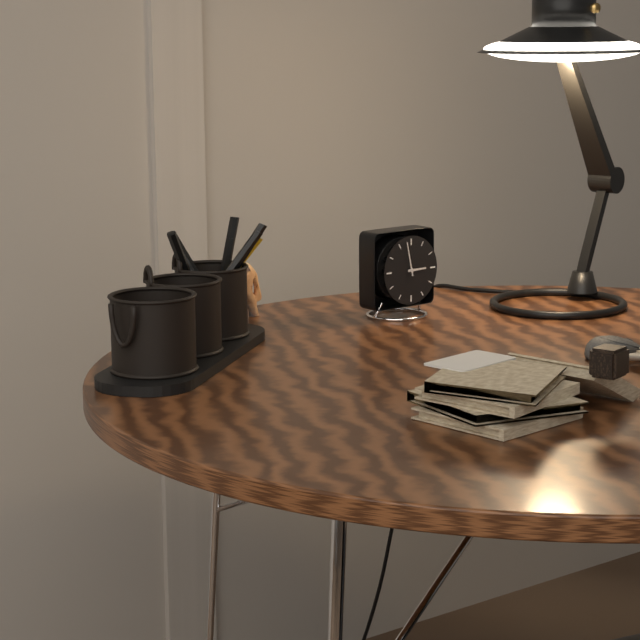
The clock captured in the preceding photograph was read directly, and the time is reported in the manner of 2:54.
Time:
2:58
